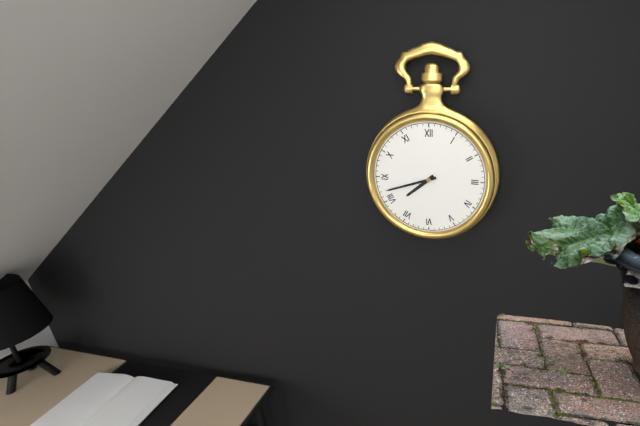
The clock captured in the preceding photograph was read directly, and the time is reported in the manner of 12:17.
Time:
7:42
